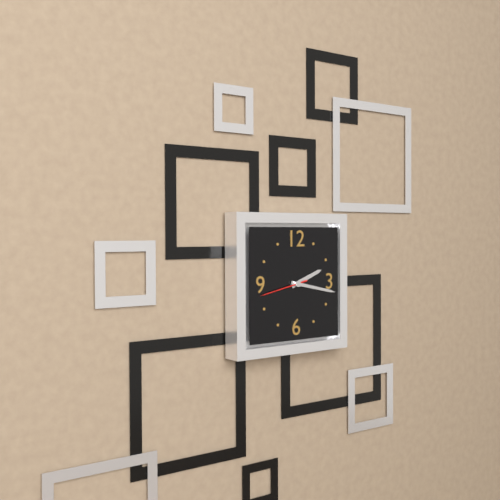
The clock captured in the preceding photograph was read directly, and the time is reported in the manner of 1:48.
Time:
2:17
